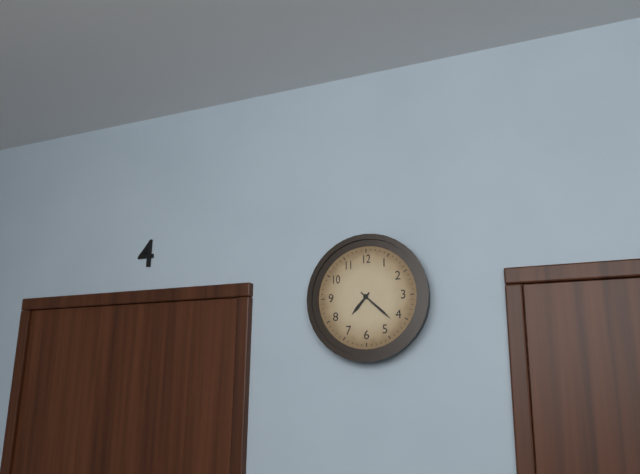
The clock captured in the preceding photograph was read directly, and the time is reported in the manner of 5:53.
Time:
7:22
